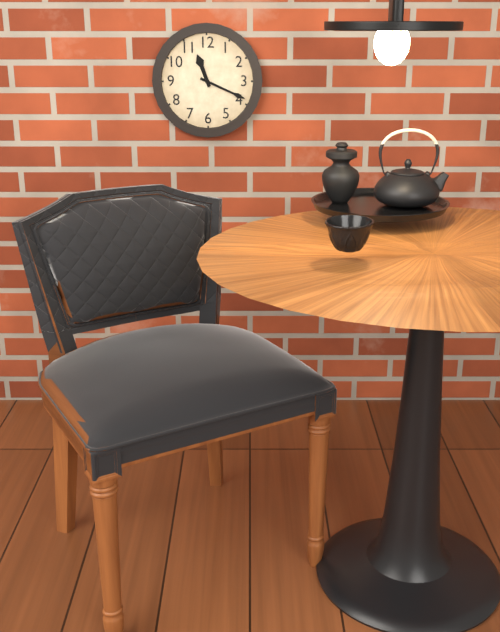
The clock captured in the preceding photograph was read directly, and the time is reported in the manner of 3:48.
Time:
11:19
